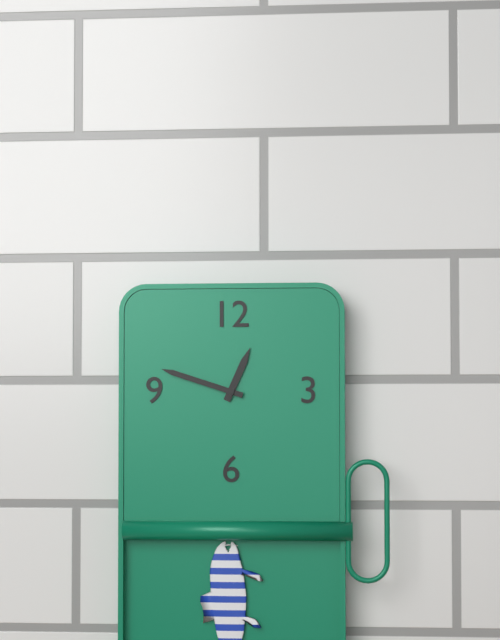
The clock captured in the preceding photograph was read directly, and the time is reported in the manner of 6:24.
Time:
12:48
